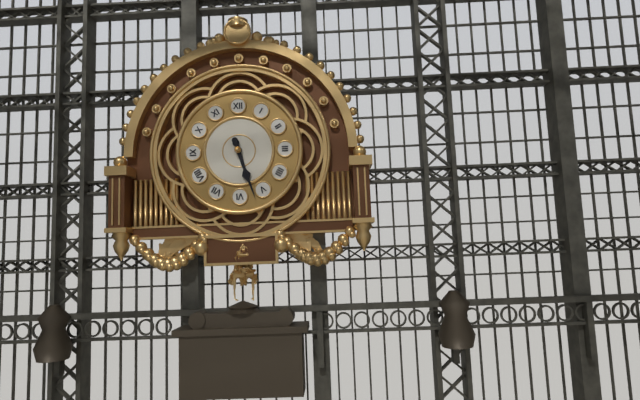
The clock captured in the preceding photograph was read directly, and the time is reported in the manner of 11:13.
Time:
5:27
